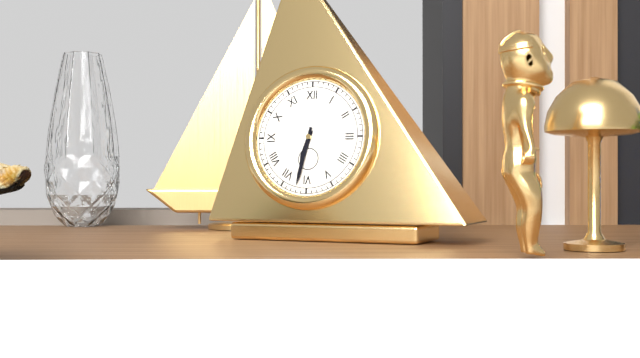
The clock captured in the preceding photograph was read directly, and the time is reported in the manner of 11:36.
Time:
6:32
